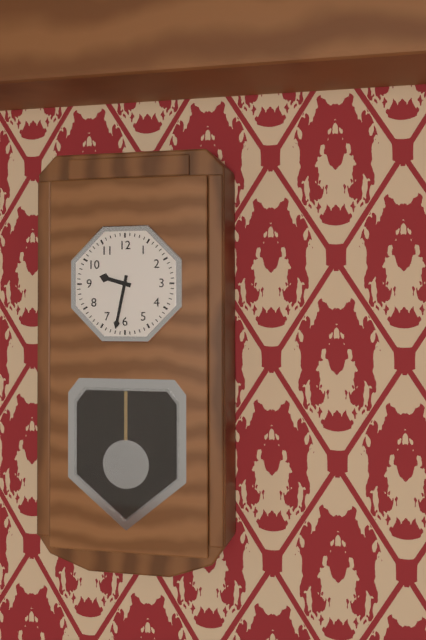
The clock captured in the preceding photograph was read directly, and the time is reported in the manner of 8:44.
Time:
9:32
